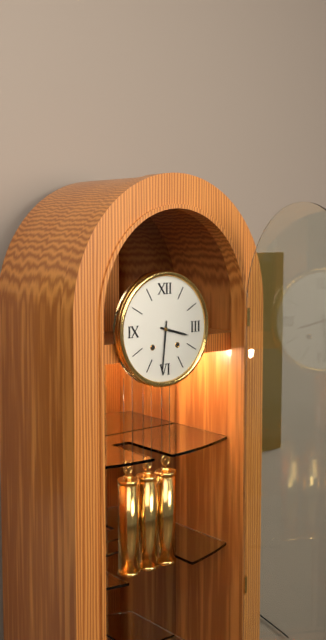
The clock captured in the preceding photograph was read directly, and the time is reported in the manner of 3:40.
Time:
3:31
